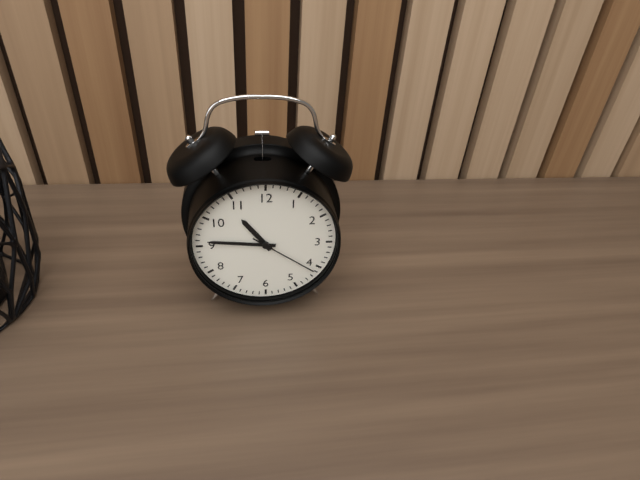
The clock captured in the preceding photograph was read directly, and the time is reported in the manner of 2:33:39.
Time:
10:46:21
